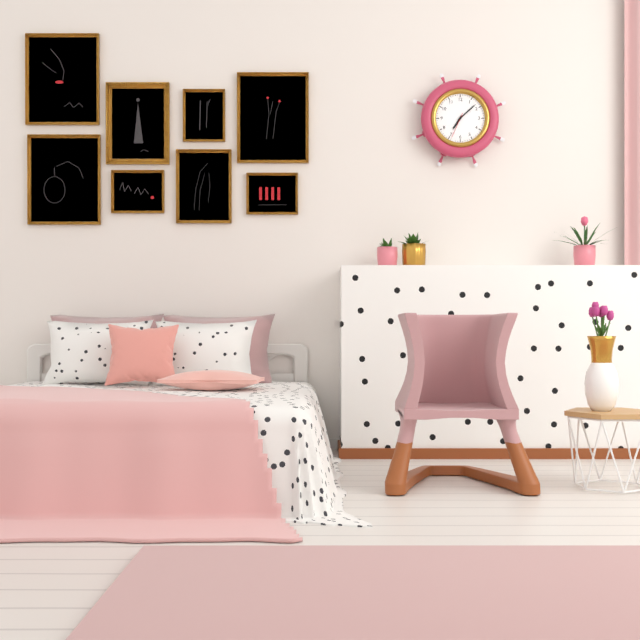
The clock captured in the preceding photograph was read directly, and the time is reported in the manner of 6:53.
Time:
7:08
